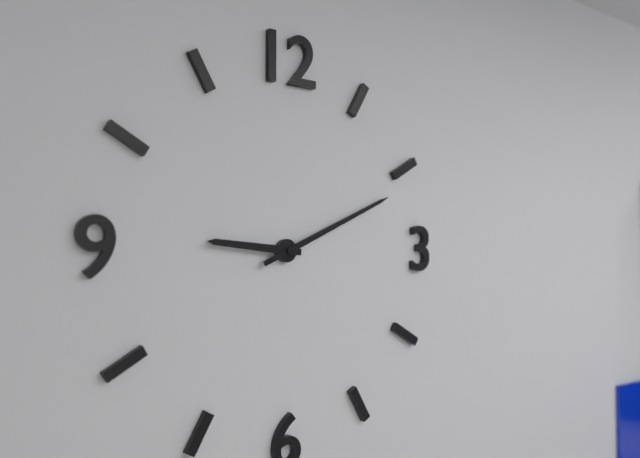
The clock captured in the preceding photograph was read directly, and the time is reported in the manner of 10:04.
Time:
9:11
